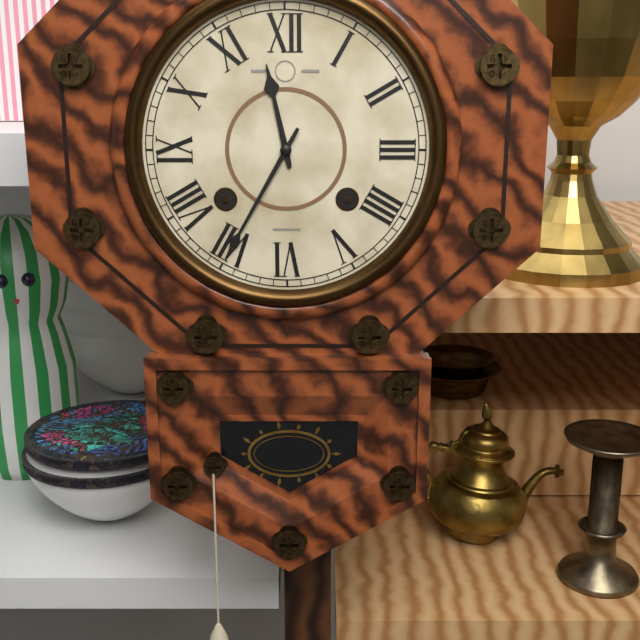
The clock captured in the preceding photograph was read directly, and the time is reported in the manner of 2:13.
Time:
11:35
